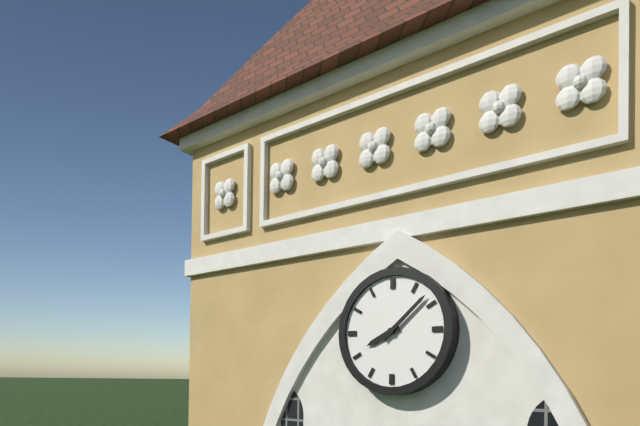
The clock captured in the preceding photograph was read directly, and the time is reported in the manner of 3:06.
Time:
8:08
